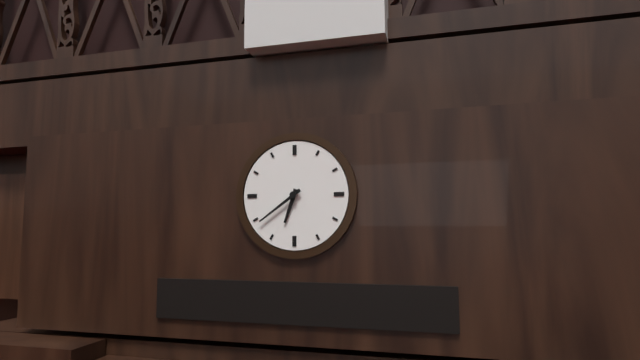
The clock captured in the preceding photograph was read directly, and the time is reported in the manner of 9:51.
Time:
6:39
